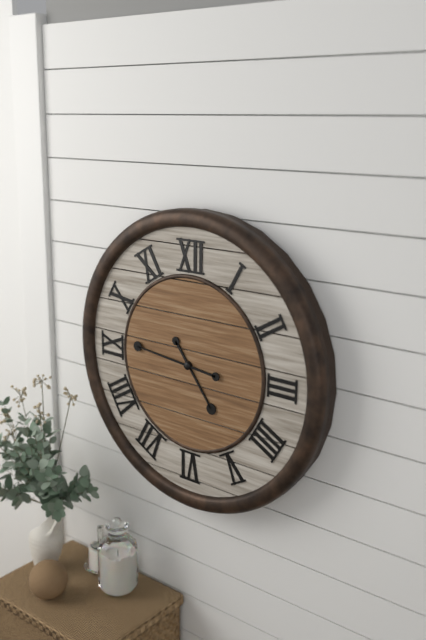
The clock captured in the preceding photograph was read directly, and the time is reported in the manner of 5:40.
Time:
4:46
